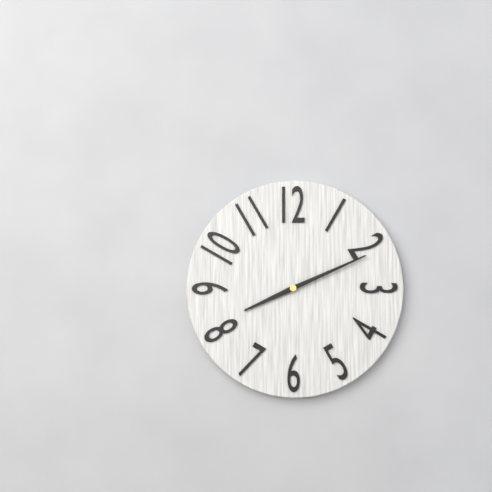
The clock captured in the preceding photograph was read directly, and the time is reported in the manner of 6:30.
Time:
8:11
